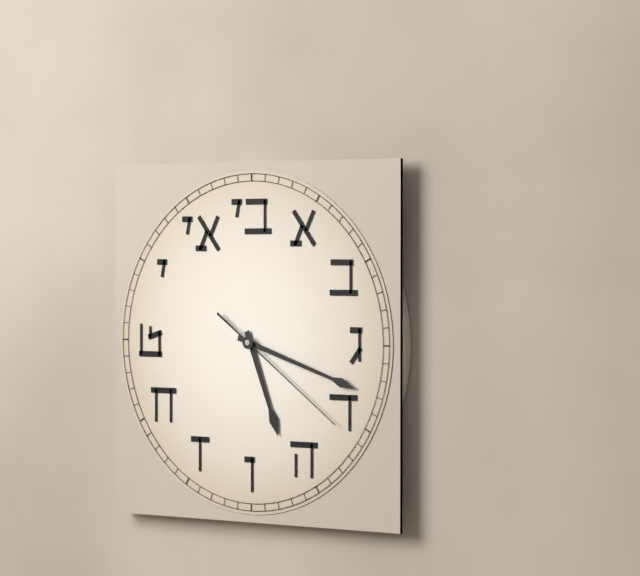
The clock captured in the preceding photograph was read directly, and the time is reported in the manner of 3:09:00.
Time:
5:18:21
